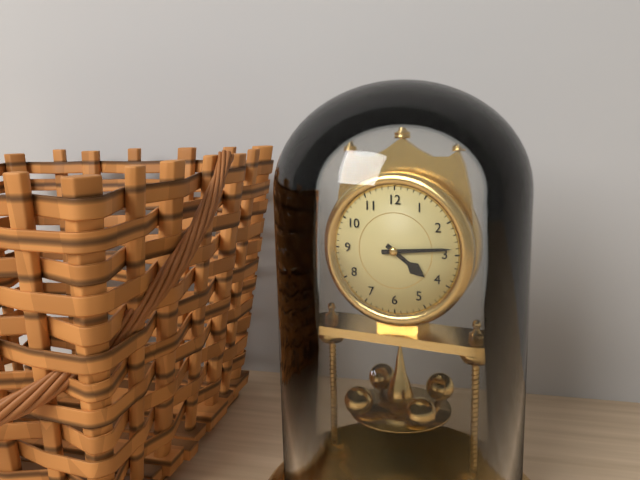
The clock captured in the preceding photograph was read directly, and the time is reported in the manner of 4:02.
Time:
4:14
